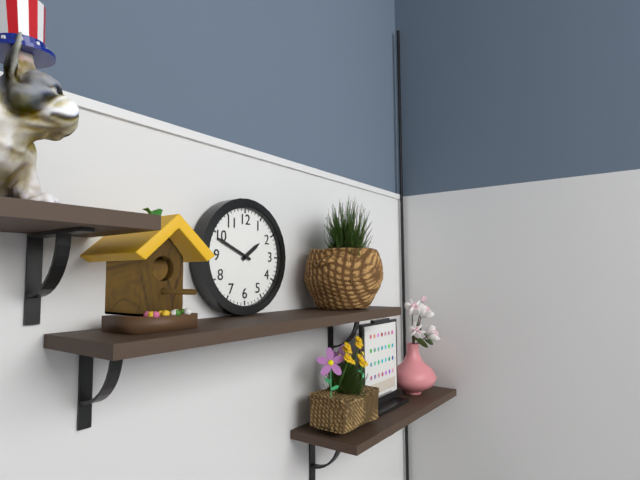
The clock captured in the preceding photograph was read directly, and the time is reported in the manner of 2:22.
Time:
1:49
